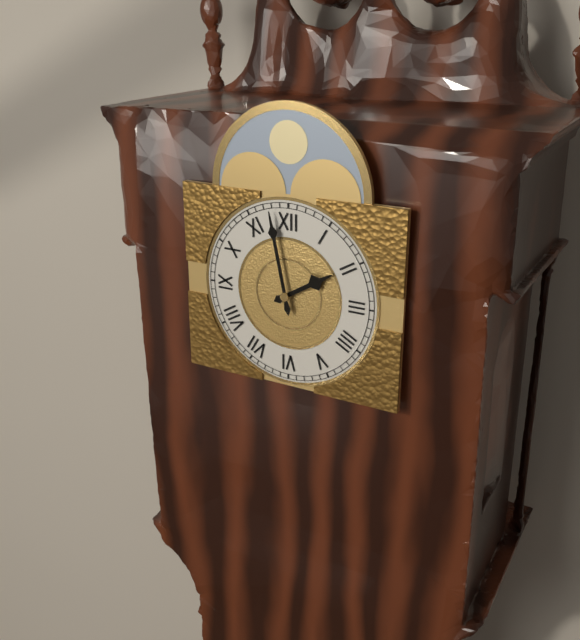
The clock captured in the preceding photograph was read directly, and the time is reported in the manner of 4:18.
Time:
1:58
